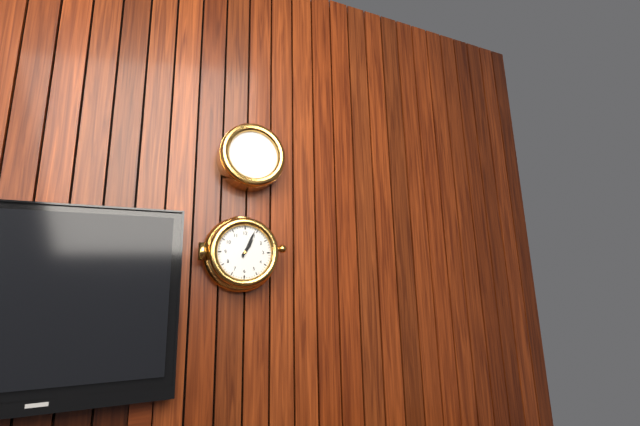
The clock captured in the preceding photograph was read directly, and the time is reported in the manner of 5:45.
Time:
1:04
